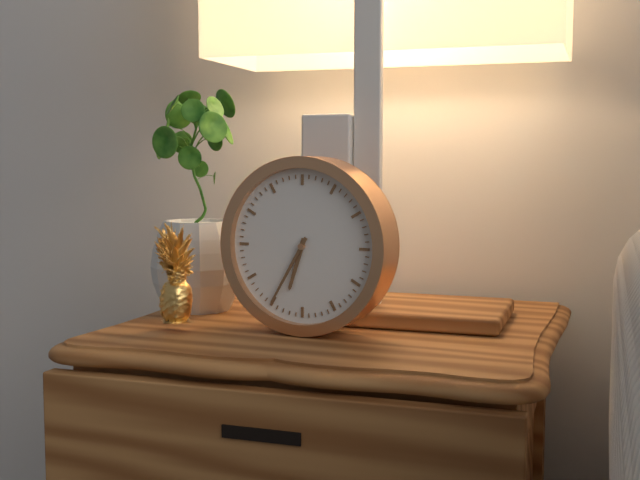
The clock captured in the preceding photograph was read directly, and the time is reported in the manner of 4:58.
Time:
6:35
